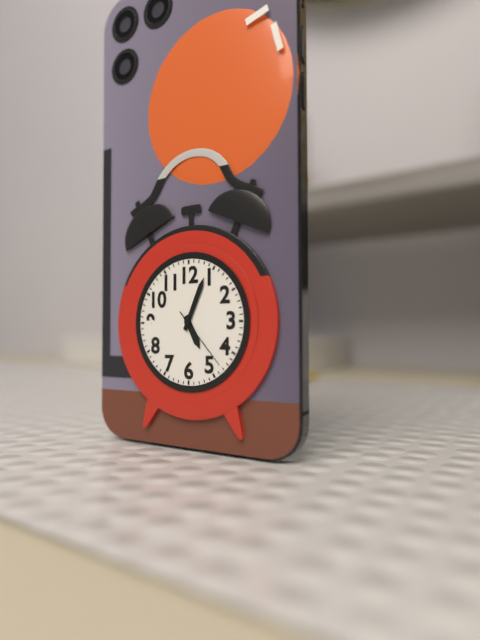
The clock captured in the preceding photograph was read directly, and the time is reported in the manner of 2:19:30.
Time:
5:04:23
